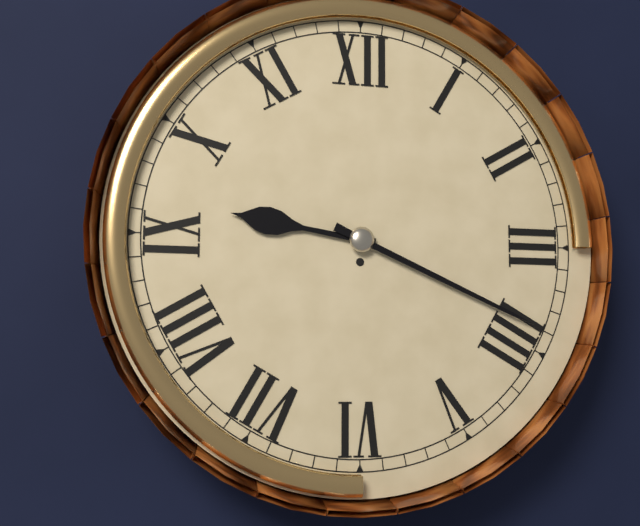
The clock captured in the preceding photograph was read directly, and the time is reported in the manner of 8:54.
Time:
9:19
